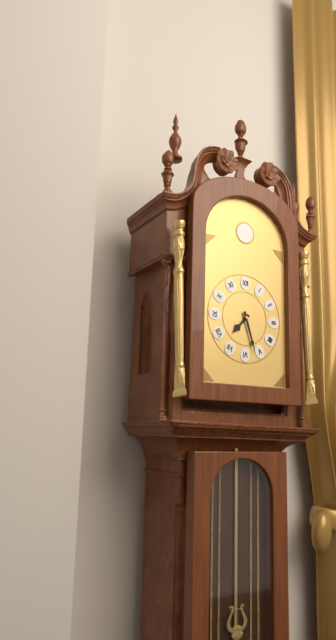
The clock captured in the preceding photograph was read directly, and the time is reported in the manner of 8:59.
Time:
7:27
